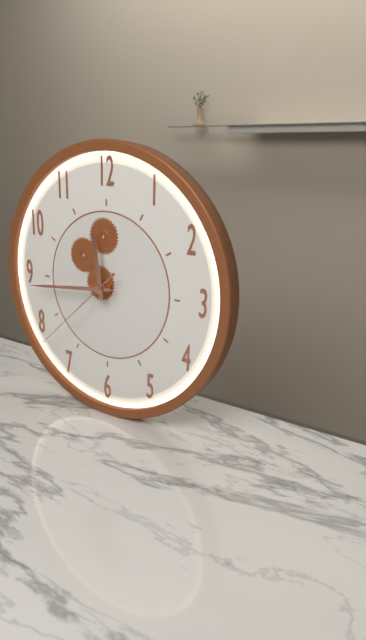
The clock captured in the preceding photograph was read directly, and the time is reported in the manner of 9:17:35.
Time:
11:44:38
